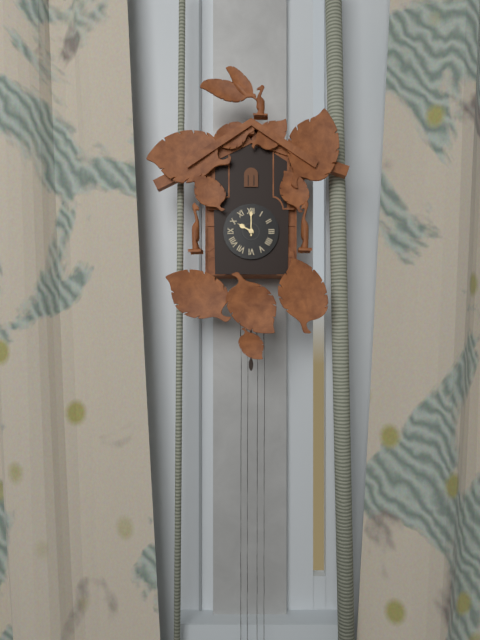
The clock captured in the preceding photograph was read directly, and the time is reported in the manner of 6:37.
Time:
10:00
